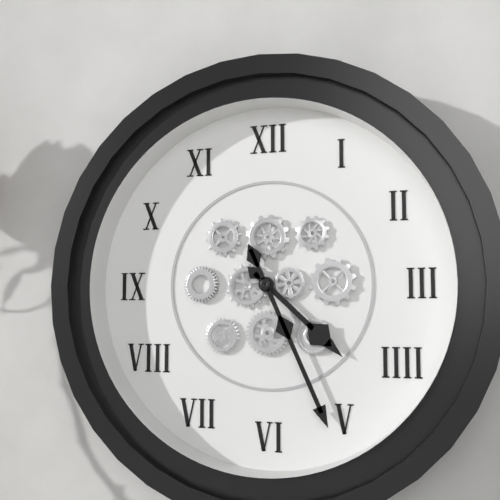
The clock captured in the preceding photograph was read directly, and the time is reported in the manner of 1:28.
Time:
4:26
